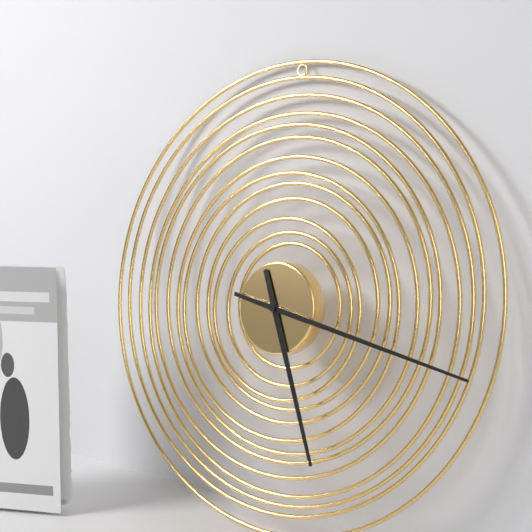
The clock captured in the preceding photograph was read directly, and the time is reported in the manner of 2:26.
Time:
5:17
